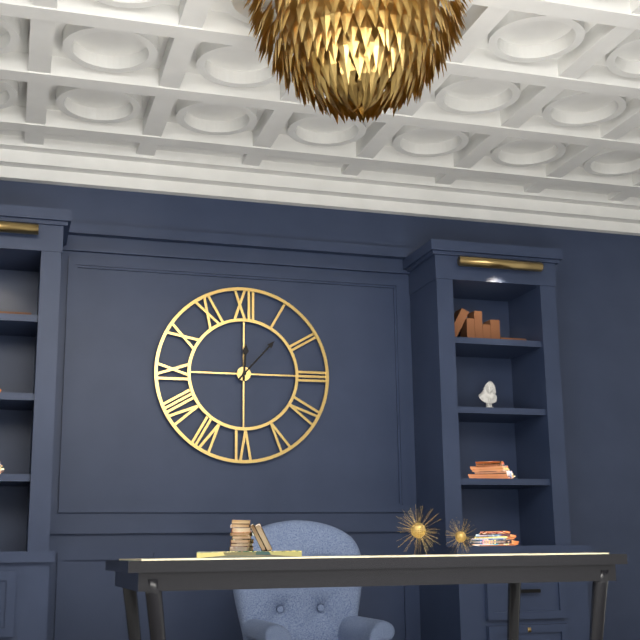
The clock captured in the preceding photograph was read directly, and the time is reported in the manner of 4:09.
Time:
12:07
